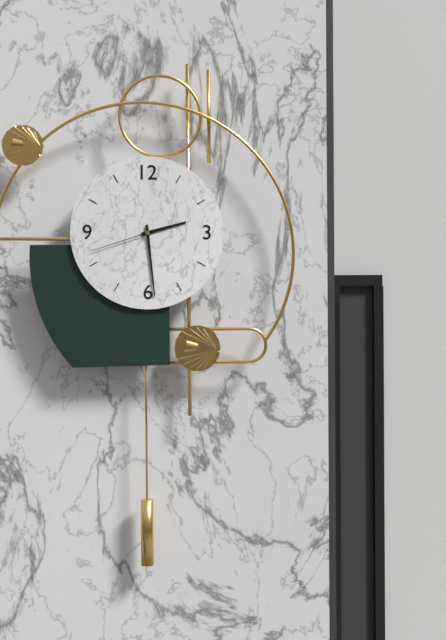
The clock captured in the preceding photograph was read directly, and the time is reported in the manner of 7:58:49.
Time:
2:29:42
